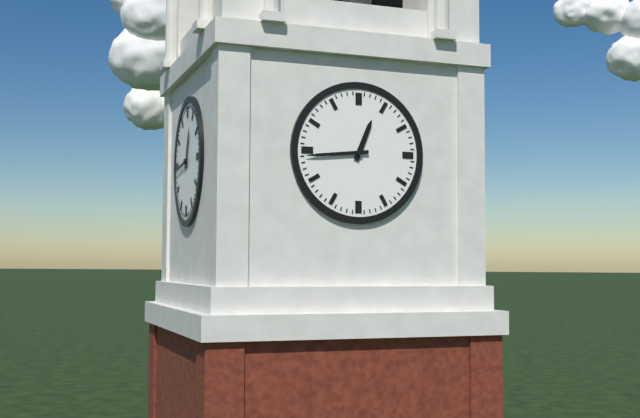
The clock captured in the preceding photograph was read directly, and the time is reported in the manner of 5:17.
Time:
12:44
